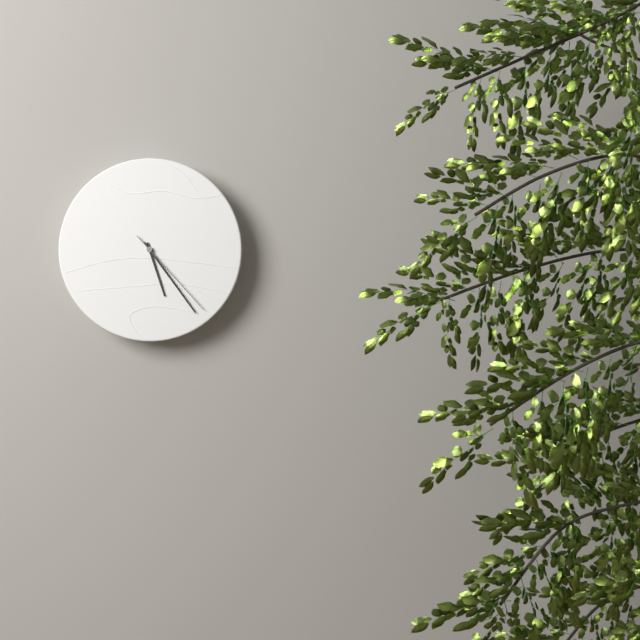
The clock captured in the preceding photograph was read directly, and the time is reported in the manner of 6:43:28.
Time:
5:24:23
